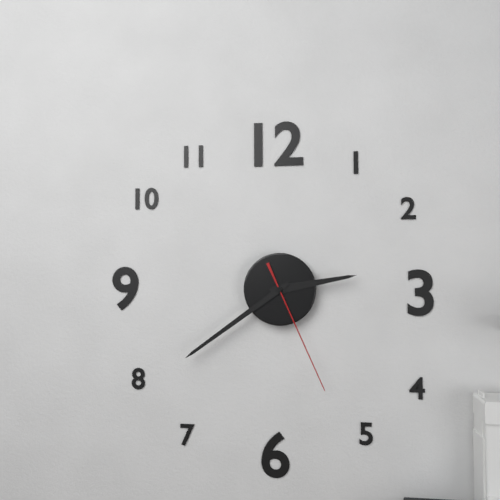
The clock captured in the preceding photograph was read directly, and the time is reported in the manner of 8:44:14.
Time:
2:39:26
